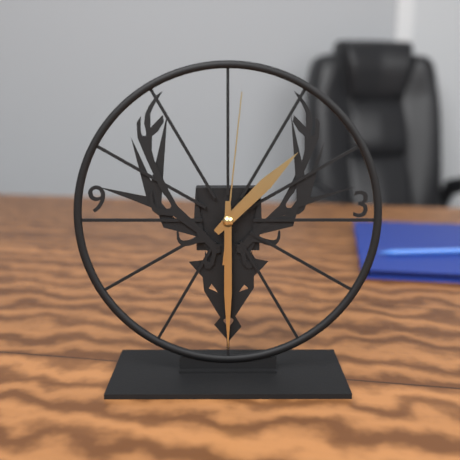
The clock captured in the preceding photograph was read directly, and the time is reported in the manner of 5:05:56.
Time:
1:30:01
